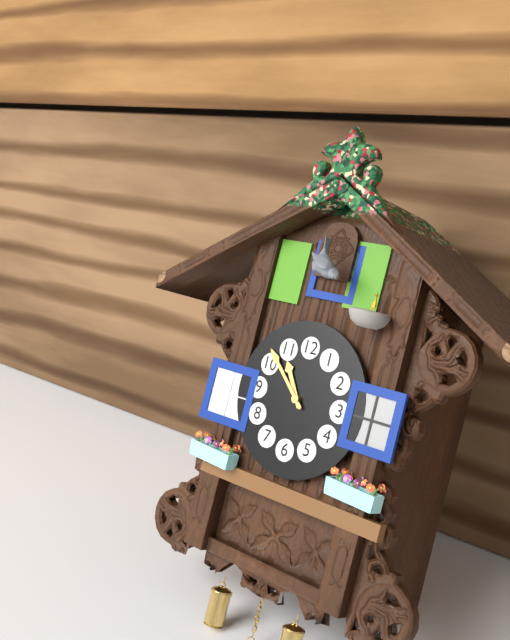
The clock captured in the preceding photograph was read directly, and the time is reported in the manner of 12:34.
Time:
10:52
